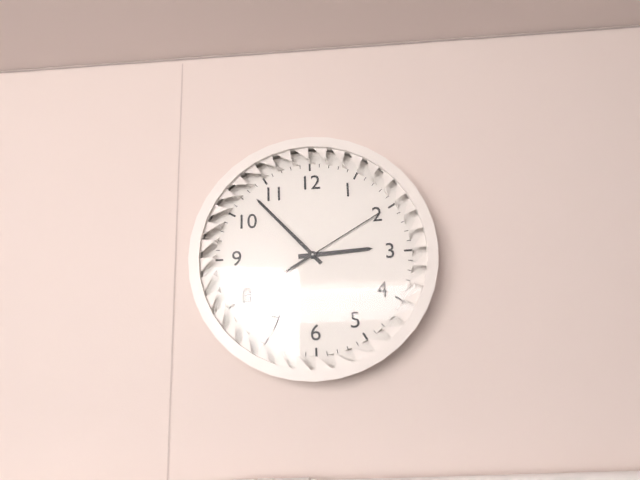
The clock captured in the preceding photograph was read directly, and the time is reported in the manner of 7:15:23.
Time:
2:53:10
